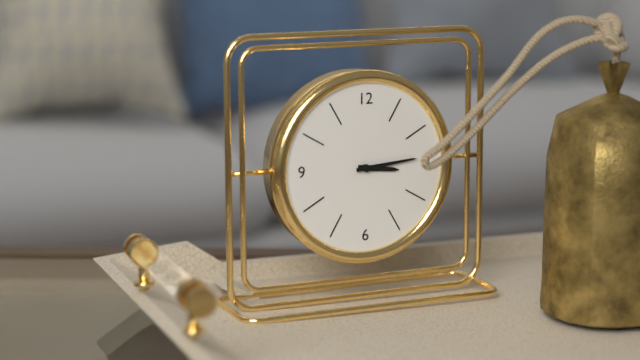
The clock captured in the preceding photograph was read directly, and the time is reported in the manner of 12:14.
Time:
3:14
